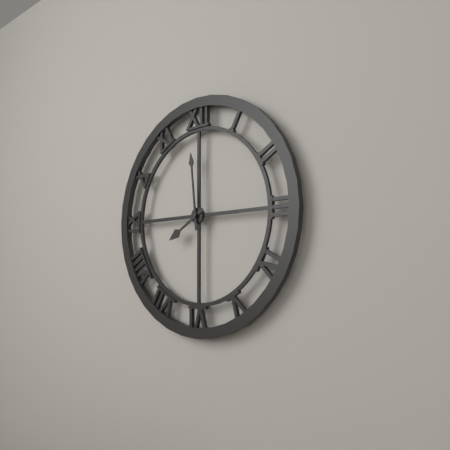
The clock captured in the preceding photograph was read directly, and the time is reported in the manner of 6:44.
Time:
7:59
